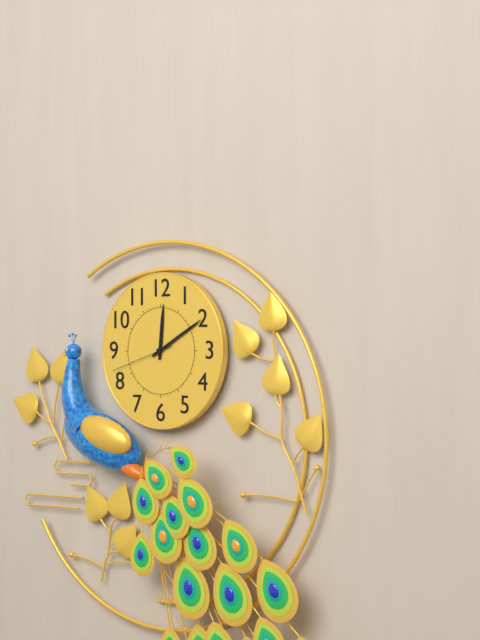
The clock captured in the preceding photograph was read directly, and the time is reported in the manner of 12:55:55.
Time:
12:10:42
